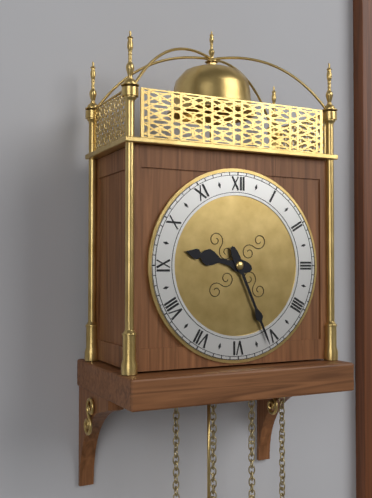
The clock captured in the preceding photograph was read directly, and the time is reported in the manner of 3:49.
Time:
9:26
